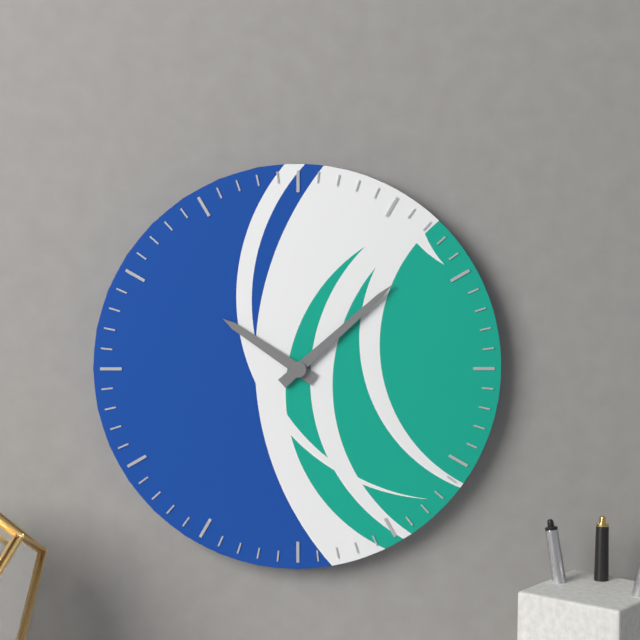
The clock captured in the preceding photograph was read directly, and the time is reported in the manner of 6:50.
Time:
10:08
